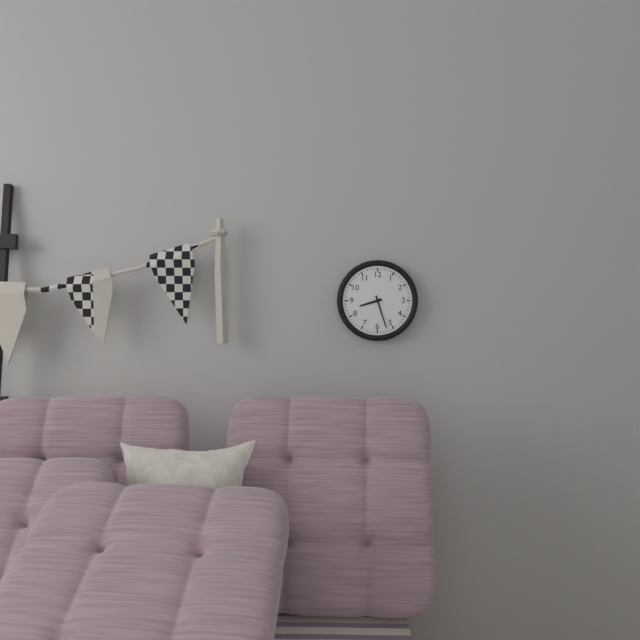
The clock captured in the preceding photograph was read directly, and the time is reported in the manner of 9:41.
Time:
8:27
